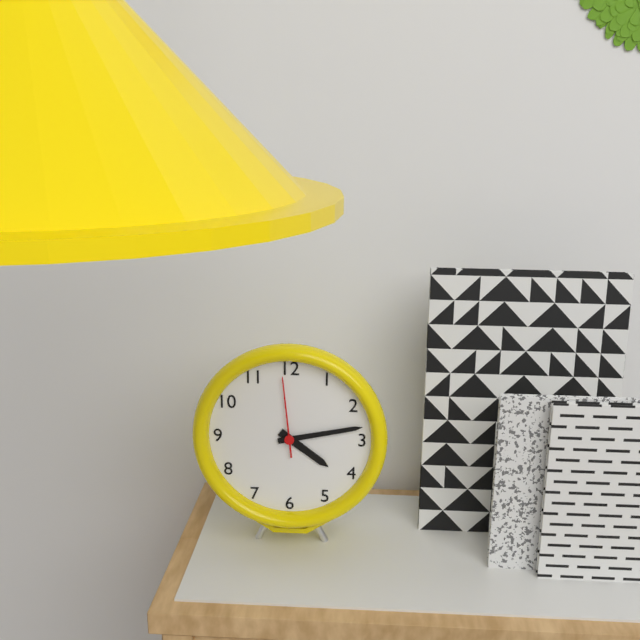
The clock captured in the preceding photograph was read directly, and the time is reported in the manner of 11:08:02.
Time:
4:13:59
